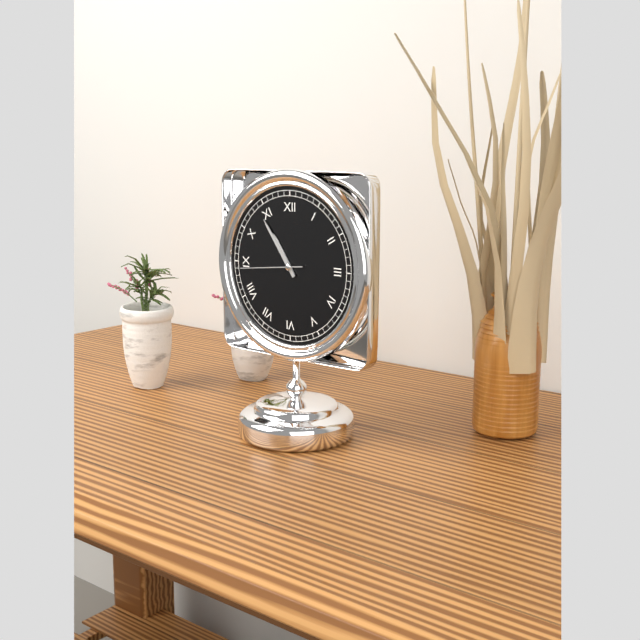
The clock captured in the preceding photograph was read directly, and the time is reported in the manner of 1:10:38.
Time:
10:54:44
